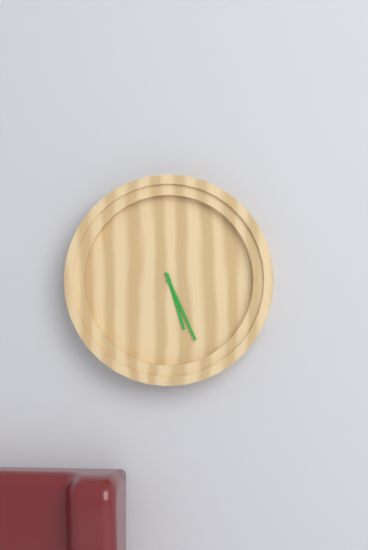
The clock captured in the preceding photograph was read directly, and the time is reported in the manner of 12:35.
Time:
5:26
